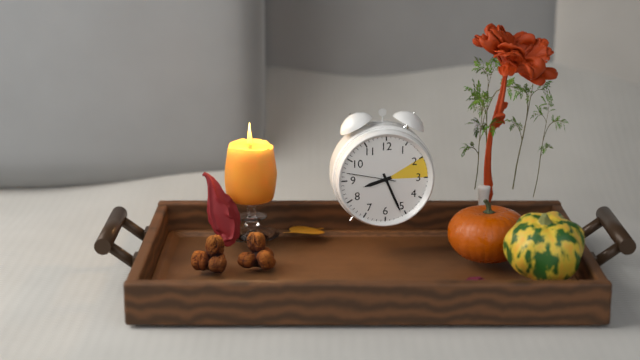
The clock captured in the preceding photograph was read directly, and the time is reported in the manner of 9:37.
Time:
8:26
